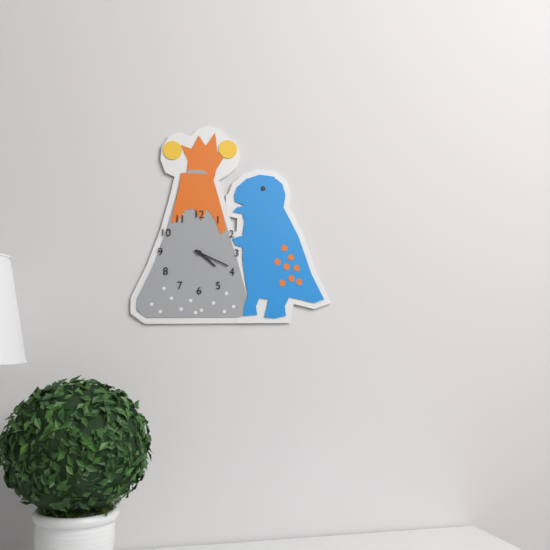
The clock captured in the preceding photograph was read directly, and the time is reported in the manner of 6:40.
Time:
4:19
